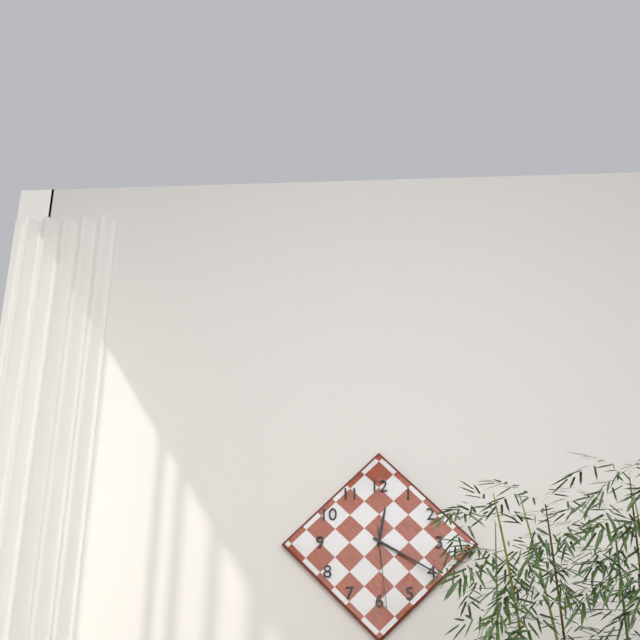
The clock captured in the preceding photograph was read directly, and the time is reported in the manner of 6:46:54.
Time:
12:20:29
